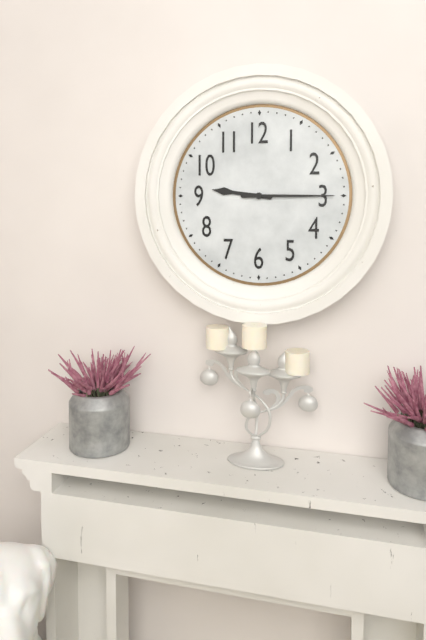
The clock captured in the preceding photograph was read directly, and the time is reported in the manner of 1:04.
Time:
9:15
